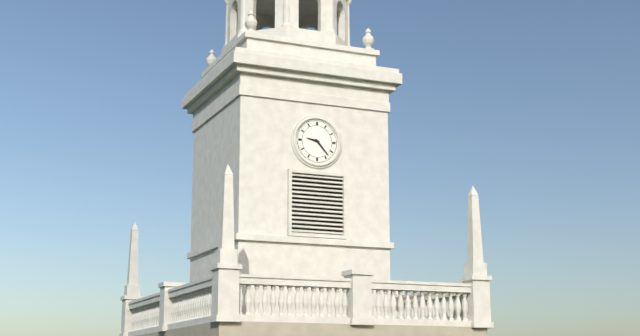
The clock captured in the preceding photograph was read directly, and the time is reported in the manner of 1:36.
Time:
9:23
